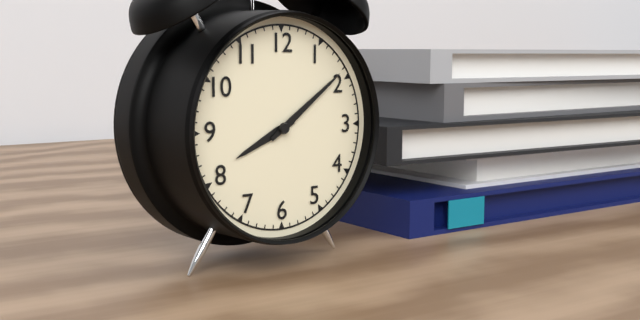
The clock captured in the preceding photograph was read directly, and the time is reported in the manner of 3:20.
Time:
8:09
